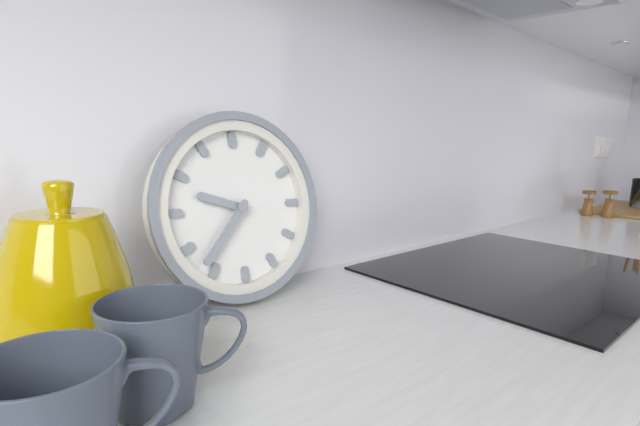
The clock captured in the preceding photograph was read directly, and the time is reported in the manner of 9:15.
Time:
9:37
